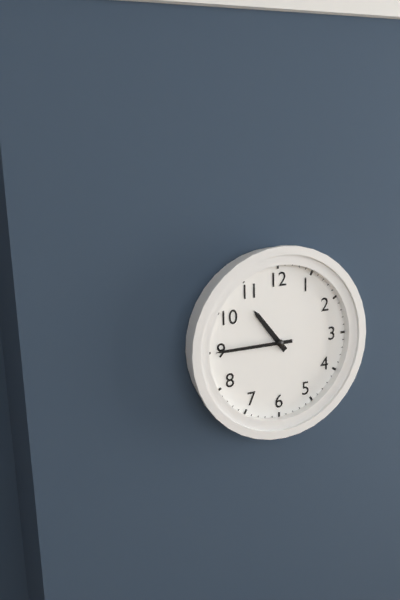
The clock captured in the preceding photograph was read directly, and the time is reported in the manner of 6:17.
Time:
10:45
